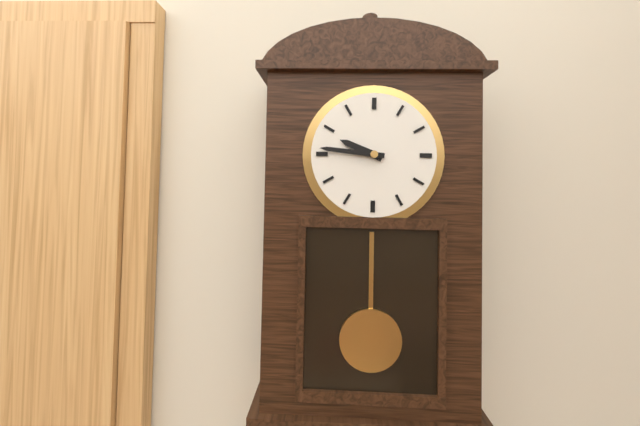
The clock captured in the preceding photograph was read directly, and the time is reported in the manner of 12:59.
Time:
9:46
